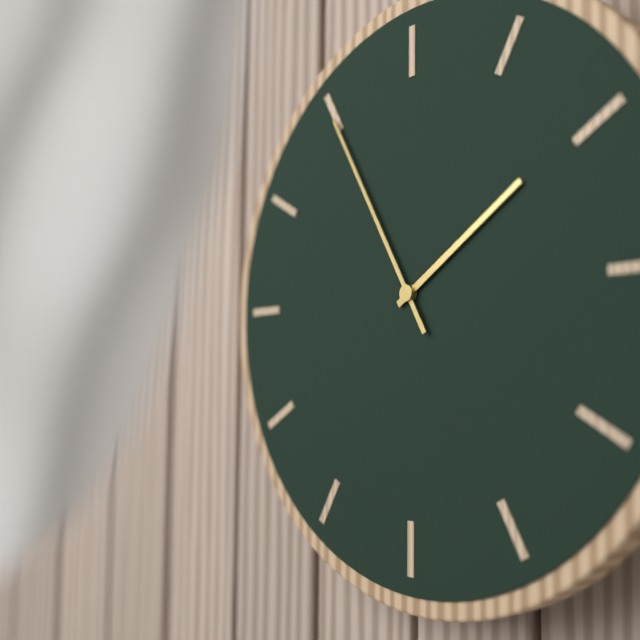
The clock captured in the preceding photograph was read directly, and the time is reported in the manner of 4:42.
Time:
1:55
